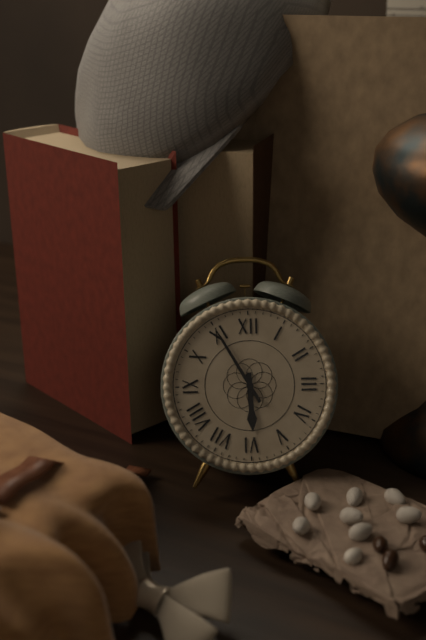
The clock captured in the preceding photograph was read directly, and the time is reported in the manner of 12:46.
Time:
5:55
